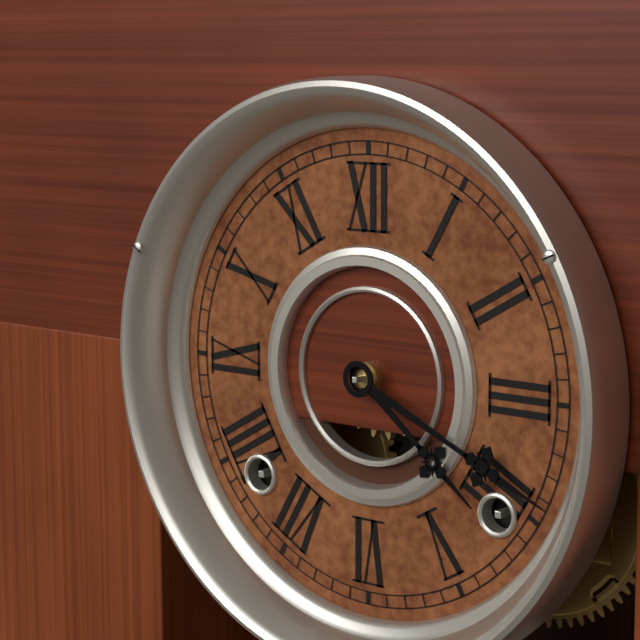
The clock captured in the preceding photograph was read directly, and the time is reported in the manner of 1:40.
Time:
4:19
